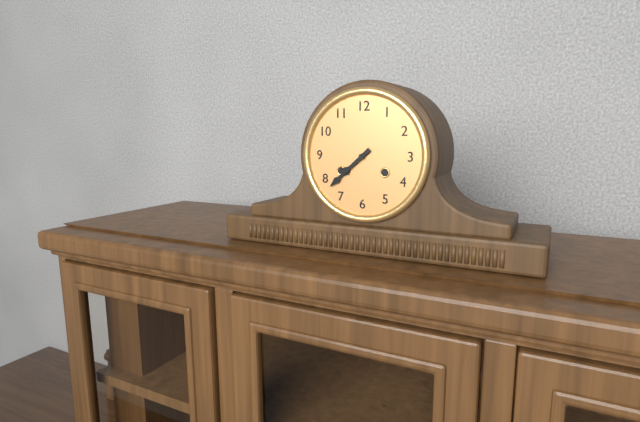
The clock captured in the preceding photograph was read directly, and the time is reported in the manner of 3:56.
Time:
7:38
